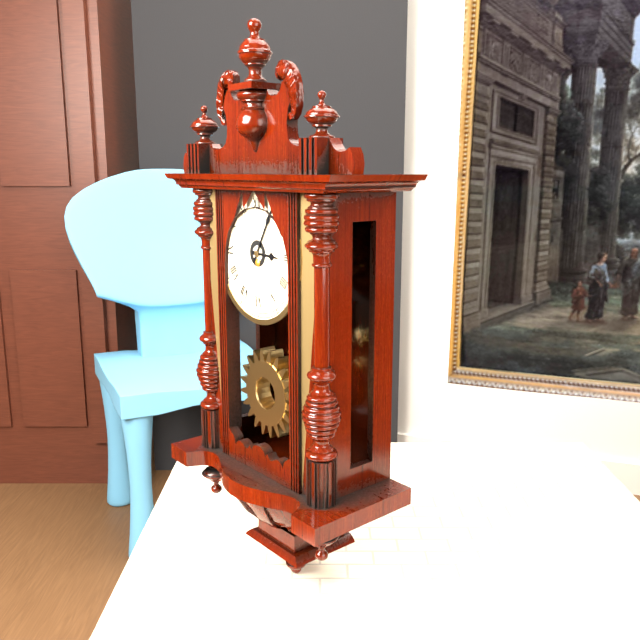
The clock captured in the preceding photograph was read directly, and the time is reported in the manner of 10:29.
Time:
3:05
